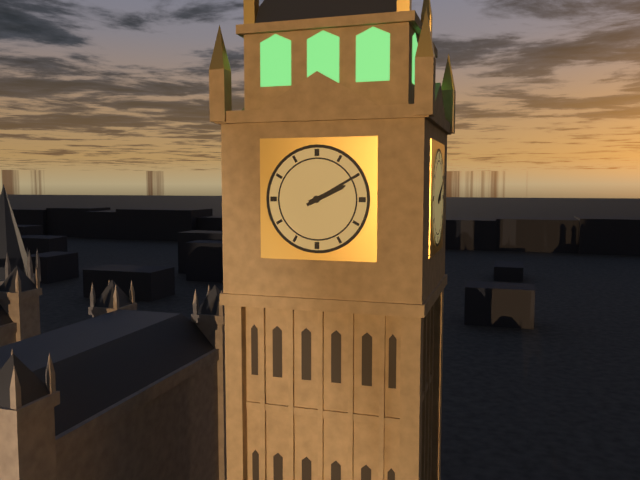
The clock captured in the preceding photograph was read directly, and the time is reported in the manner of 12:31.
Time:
2:10
